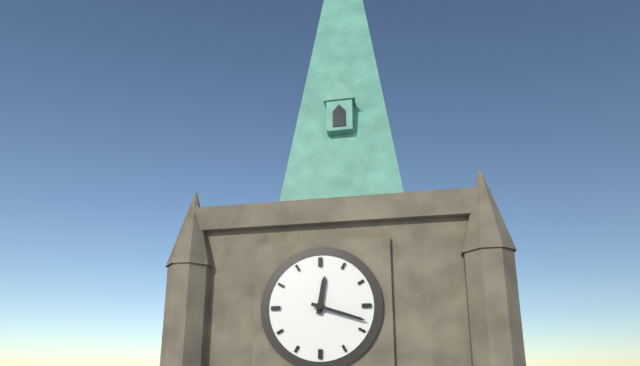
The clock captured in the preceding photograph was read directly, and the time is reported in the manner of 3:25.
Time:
12:18
